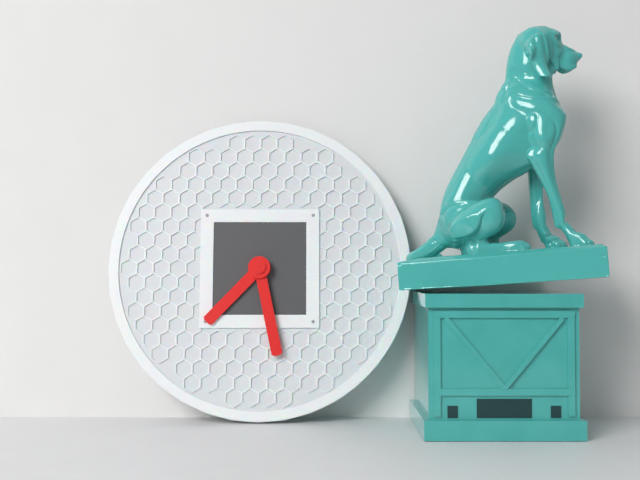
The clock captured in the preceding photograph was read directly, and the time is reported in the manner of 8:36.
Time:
7:28
